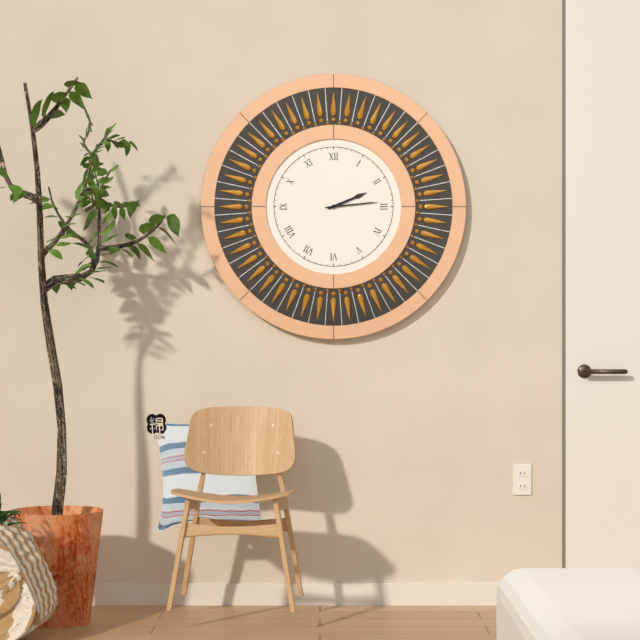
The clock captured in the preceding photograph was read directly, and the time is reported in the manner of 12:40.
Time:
2:14
